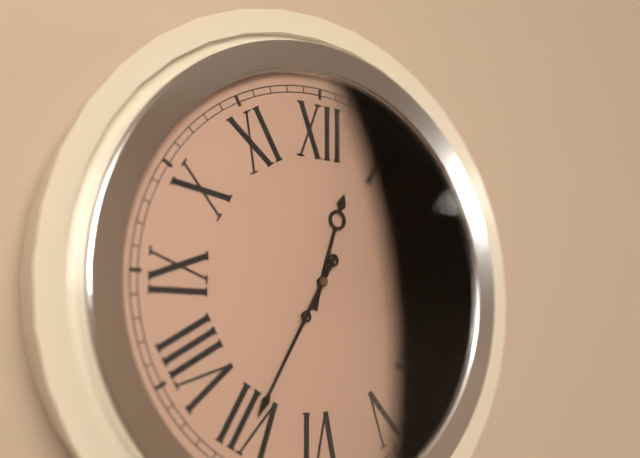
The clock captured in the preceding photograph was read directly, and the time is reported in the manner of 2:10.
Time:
12:35
